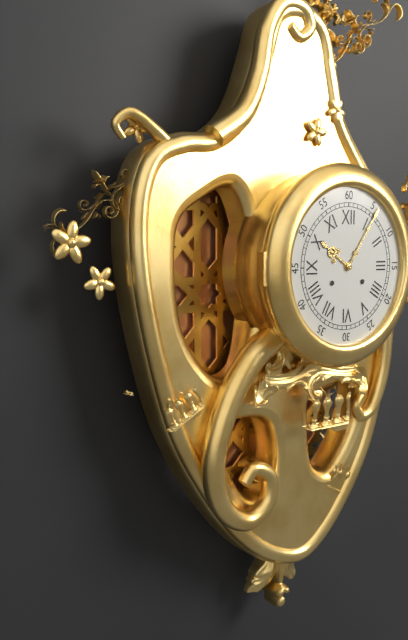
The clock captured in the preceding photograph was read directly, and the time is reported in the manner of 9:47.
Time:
10:06
